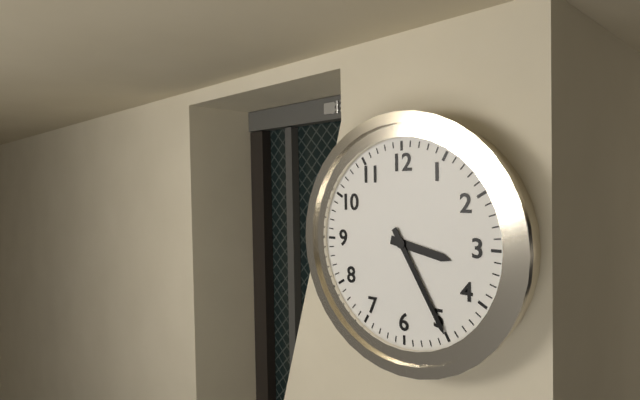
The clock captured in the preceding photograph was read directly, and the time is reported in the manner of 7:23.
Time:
3:25
